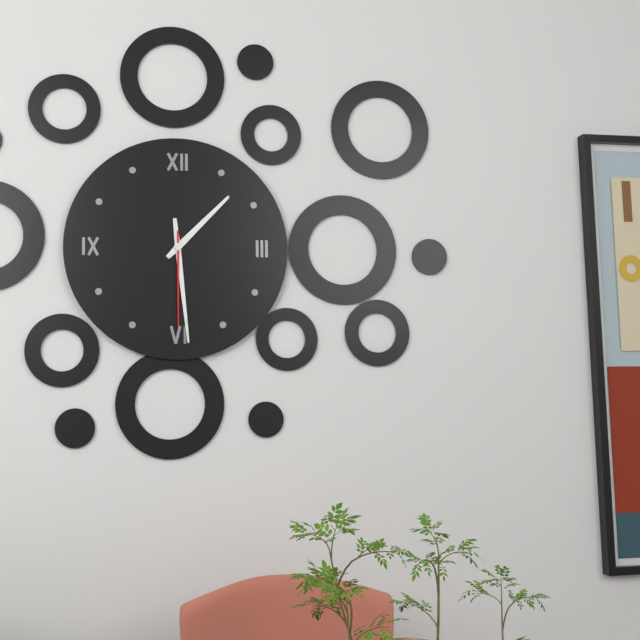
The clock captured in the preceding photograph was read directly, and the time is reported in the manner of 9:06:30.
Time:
1:29:30
